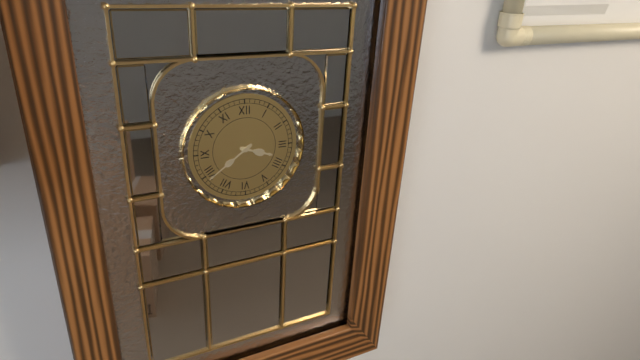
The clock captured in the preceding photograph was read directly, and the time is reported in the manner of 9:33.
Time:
3:39
